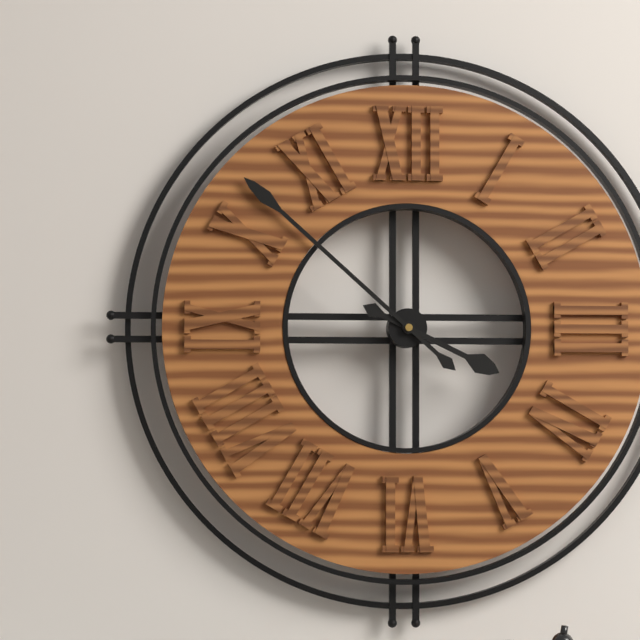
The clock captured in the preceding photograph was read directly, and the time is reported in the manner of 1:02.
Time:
3:52
